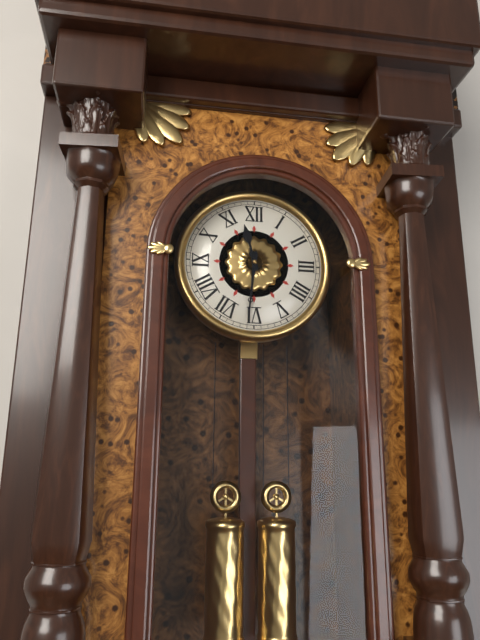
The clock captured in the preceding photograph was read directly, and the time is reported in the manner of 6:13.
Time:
11:31
